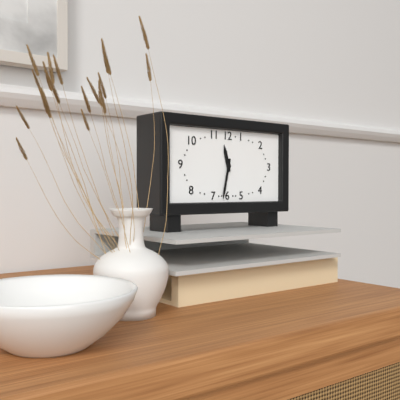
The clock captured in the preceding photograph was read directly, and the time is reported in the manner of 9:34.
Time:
11:32
